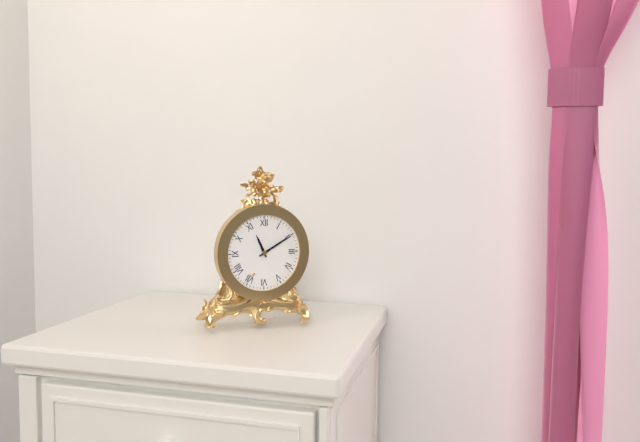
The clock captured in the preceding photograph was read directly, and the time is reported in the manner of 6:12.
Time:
11:10
